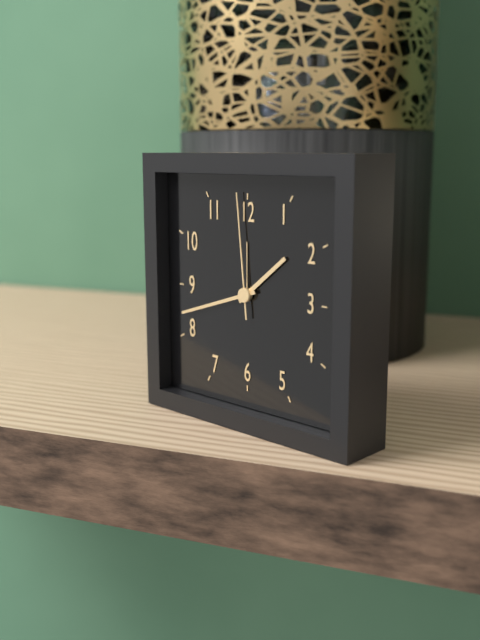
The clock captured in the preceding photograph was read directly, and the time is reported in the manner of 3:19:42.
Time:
1:42:59
